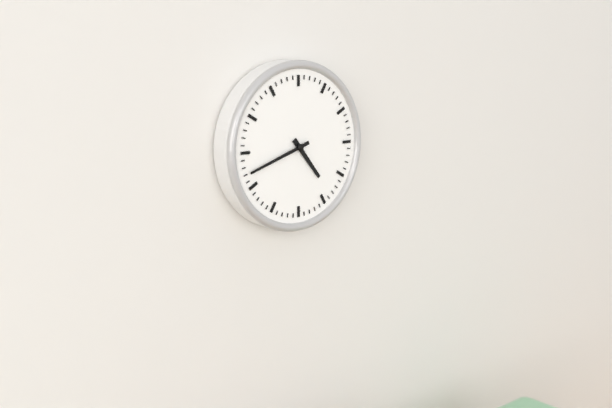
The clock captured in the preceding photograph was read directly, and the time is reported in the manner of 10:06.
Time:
4:42
